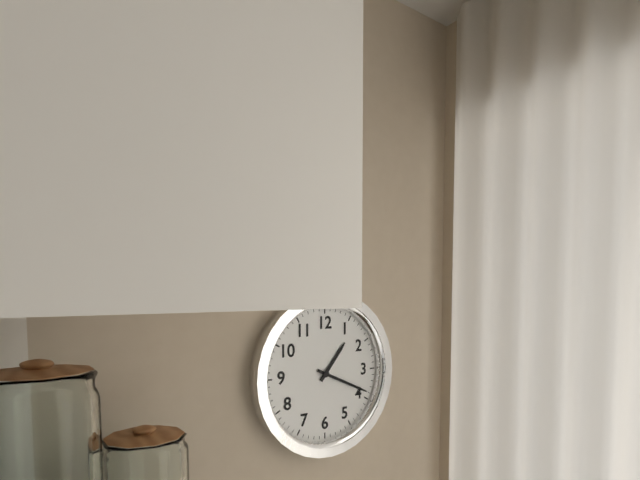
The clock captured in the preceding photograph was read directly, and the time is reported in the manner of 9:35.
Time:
1:19
